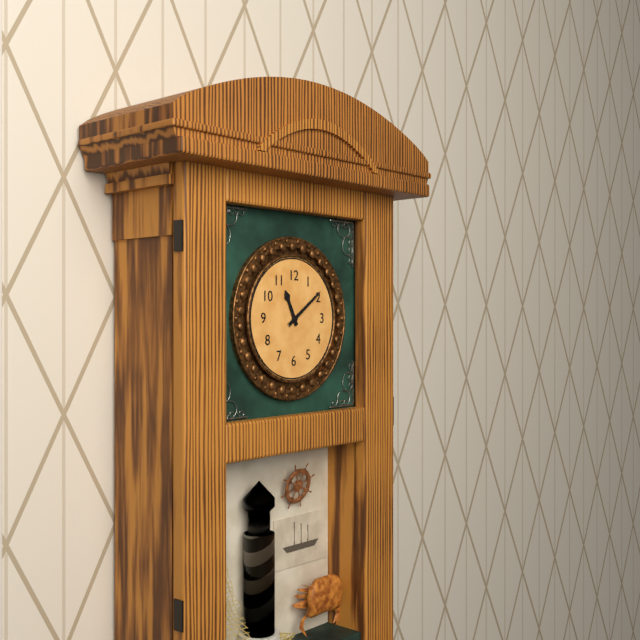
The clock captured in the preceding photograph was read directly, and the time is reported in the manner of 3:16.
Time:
11:09
